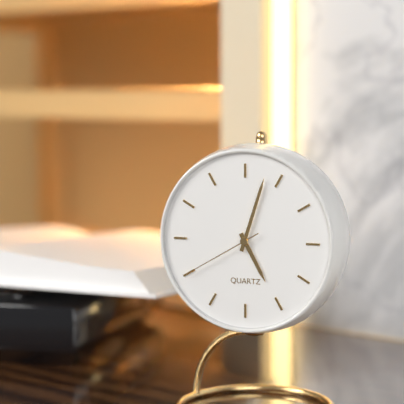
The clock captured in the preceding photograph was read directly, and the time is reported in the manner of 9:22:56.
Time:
5:03:40
